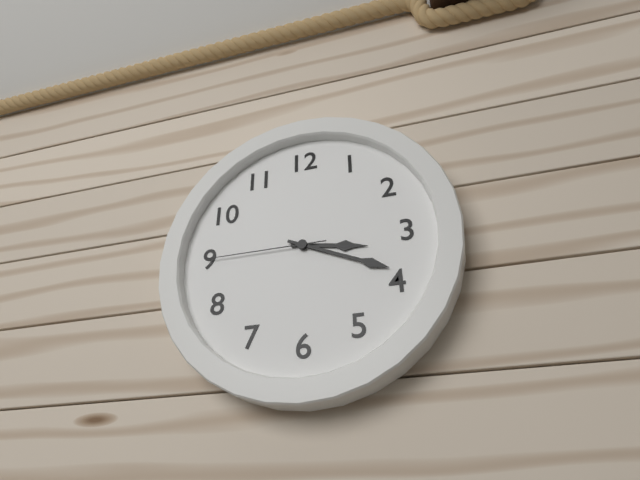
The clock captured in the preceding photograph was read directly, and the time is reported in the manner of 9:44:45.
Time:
3:19:45
